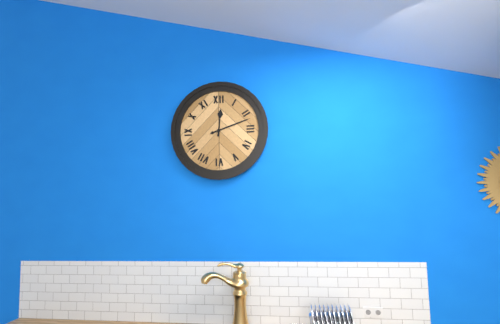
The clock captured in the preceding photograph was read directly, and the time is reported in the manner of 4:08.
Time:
12:12
